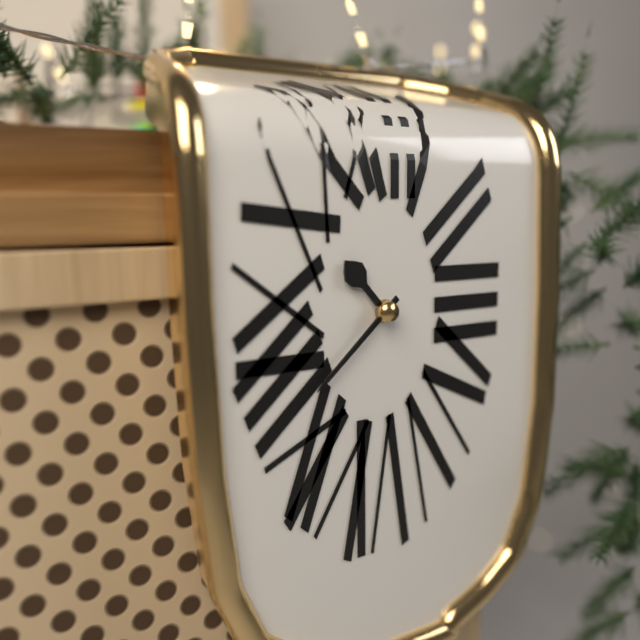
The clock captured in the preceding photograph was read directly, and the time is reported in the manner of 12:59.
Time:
10:38
